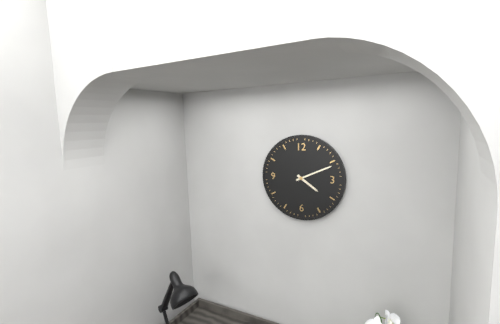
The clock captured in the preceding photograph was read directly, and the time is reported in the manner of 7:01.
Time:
4:11
